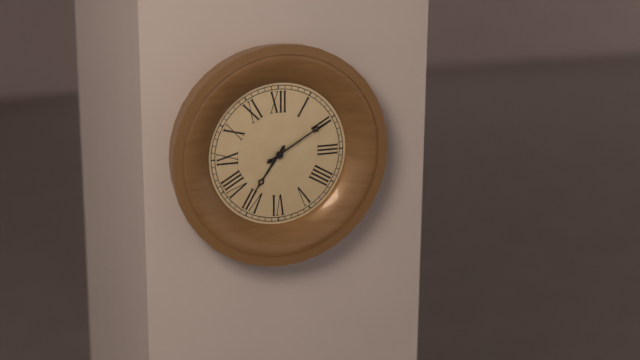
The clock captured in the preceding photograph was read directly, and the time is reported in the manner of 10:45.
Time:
7:10
